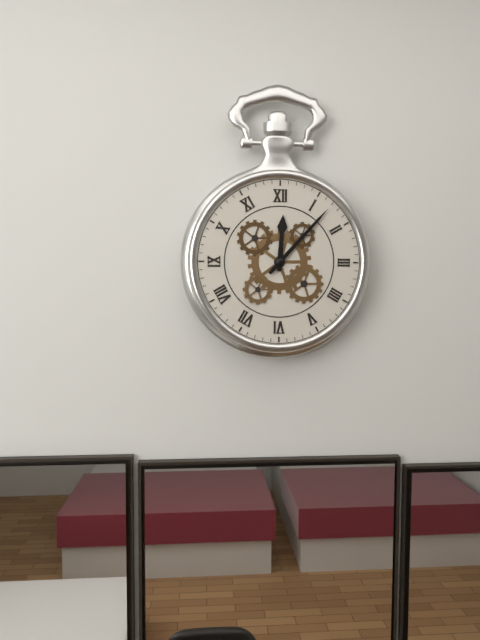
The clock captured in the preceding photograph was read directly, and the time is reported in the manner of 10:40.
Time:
12:07
